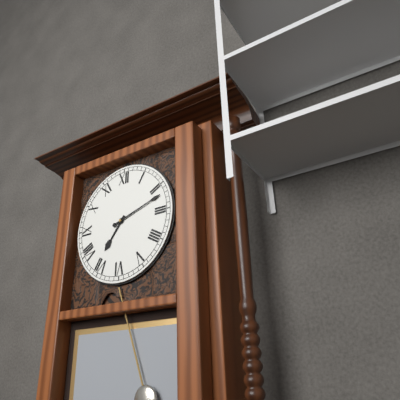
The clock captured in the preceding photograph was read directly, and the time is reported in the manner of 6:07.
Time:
7:12
